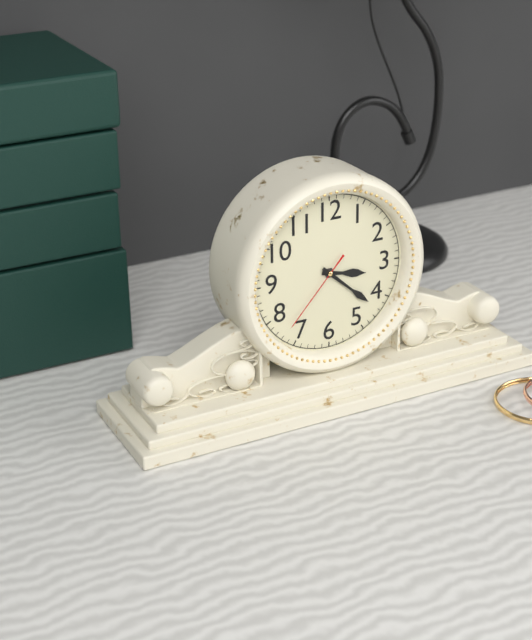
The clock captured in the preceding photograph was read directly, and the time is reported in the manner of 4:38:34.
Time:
3:22:37
